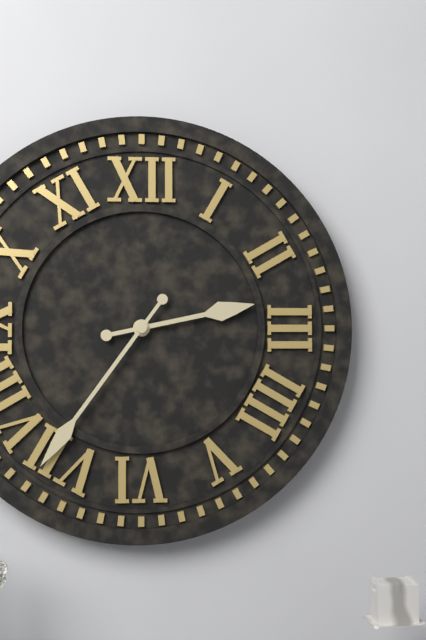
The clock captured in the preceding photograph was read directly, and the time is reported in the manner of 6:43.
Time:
2:36
